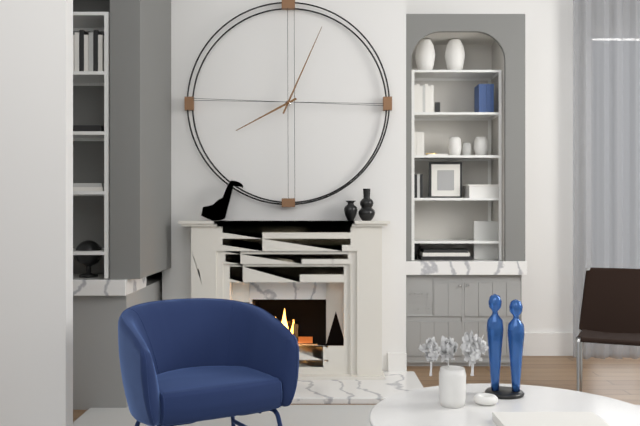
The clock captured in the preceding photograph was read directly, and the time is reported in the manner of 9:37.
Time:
8:04
